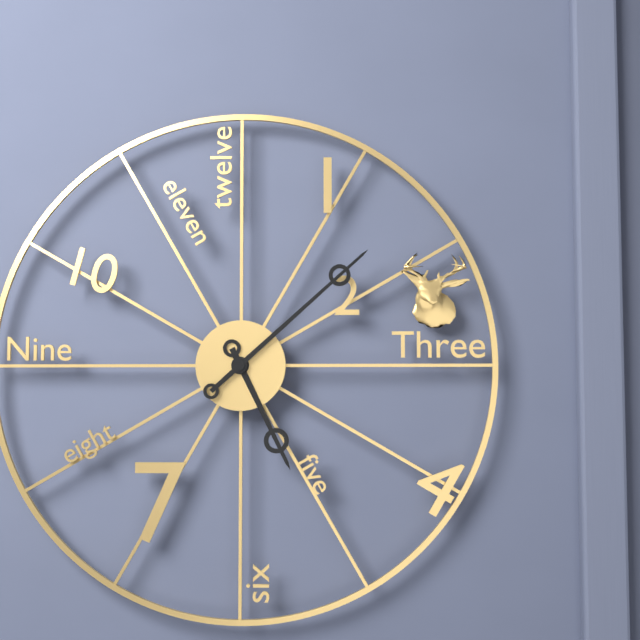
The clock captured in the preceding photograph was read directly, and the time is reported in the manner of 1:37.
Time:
5:08
